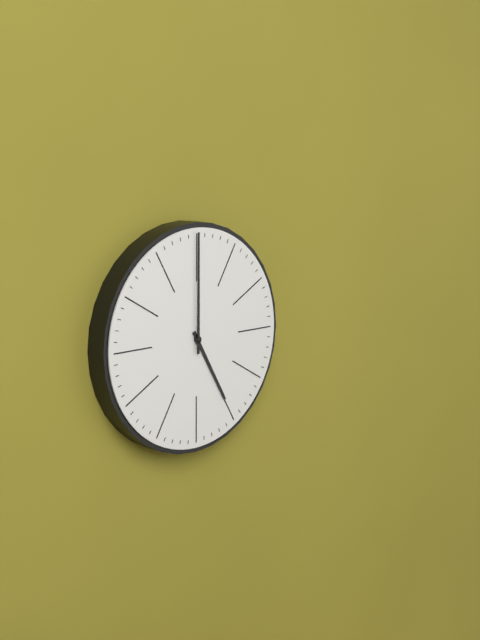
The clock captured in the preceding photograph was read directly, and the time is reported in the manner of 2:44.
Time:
5:00
